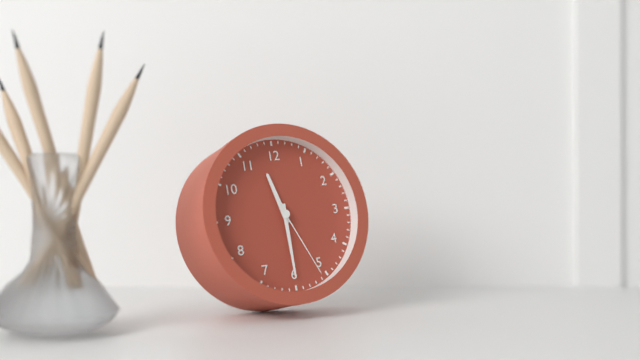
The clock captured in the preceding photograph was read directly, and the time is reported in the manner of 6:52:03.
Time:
11:30:26
